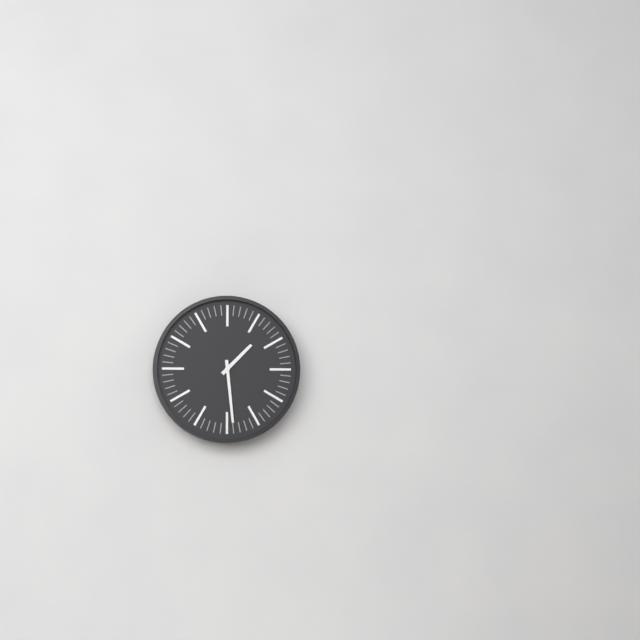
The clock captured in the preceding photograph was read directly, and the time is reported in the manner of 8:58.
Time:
1:29
